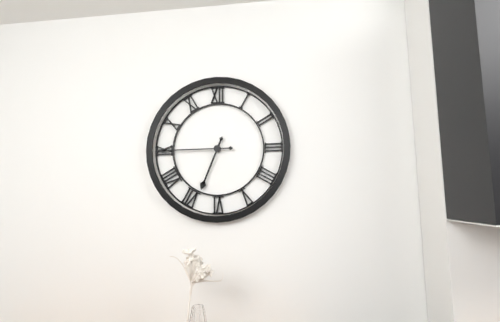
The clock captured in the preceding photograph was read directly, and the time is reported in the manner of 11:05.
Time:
6:45
